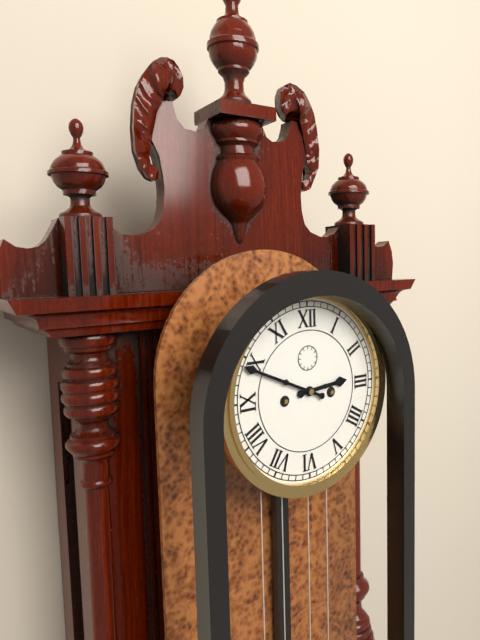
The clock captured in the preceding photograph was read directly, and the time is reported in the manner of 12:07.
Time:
2:49
